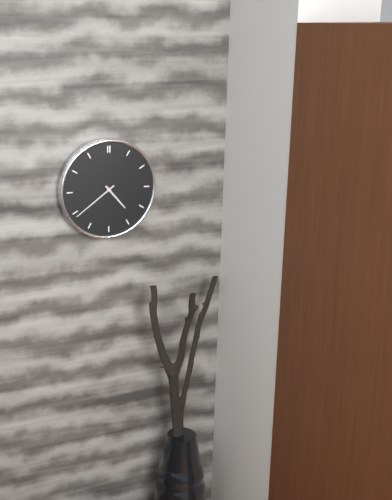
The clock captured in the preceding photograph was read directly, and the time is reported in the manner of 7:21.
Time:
4:39
